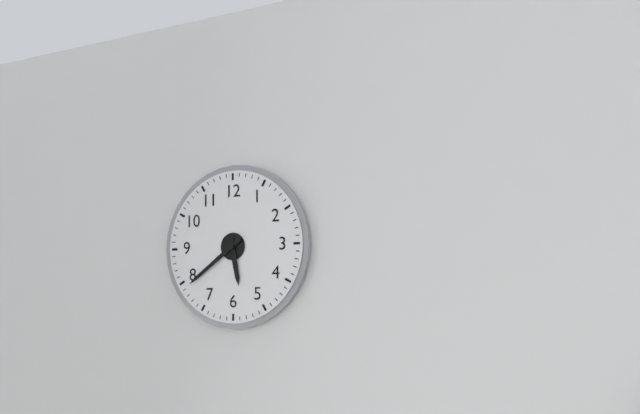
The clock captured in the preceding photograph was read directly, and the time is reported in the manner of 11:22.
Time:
5:39
